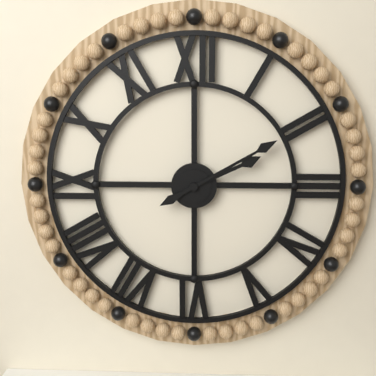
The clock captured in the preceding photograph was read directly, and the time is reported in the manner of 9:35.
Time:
2:10
